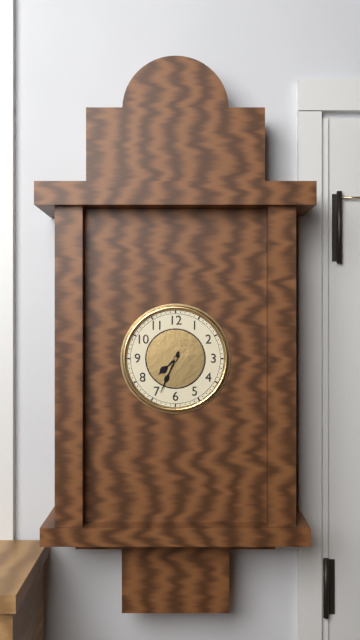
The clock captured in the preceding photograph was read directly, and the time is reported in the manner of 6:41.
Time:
7:34
